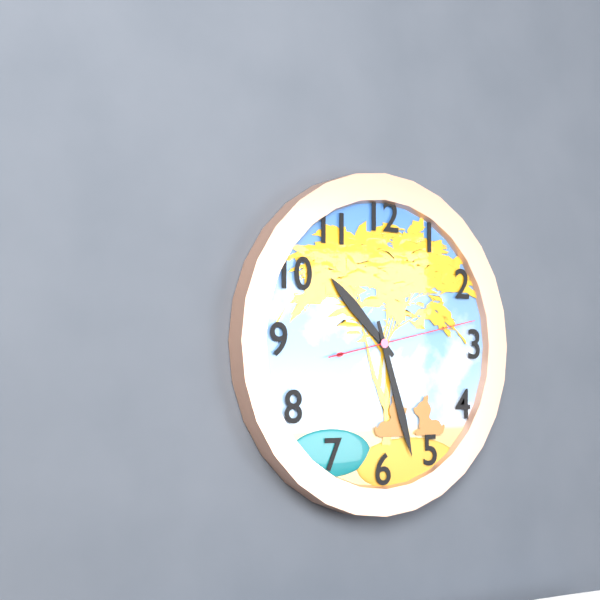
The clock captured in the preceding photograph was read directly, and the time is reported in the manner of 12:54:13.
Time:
10:27:13
